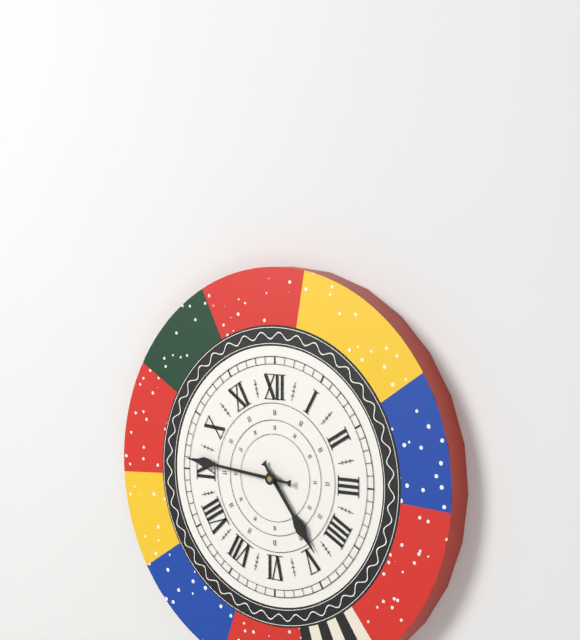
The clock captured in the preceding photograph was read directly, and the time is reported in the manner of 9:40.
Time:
4:46
